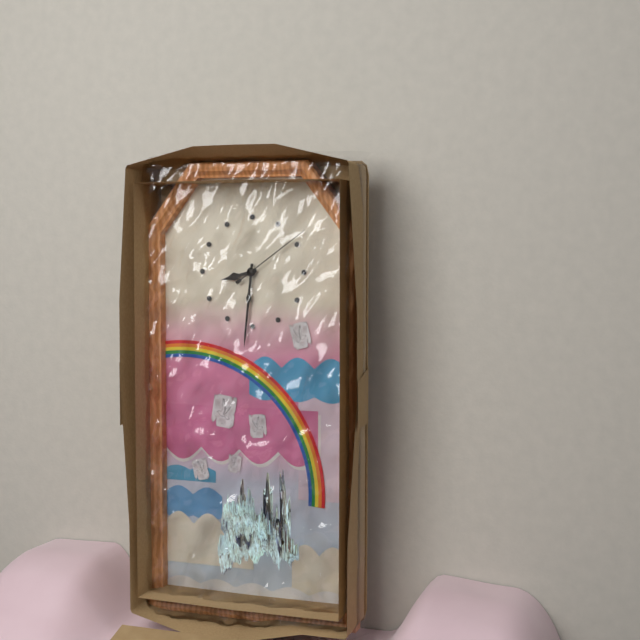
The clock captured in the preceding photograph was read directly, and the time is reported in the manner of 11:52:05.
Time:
8:31:09
